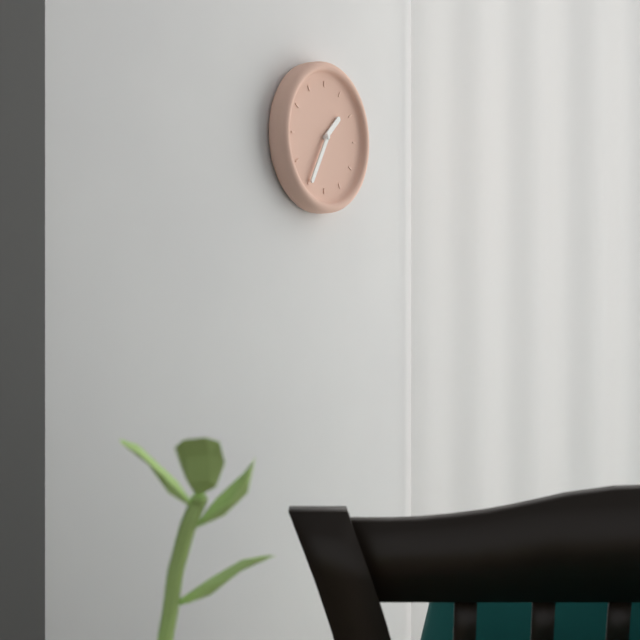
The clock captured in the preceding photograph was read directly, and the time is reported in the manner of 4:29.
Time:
1:35
